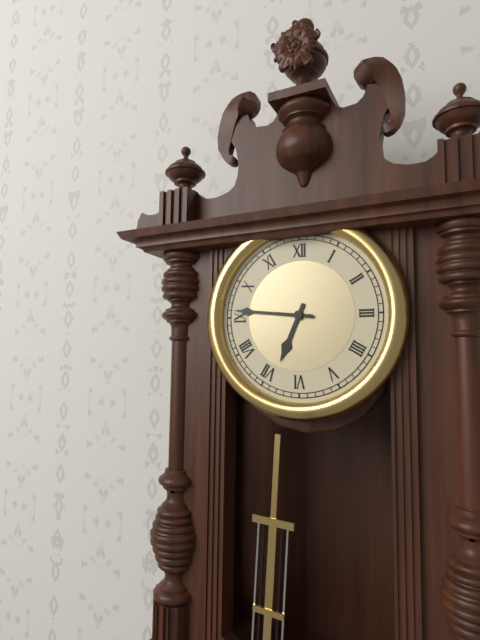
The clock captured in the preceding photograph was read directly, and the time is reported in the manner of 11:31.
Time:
6:46
